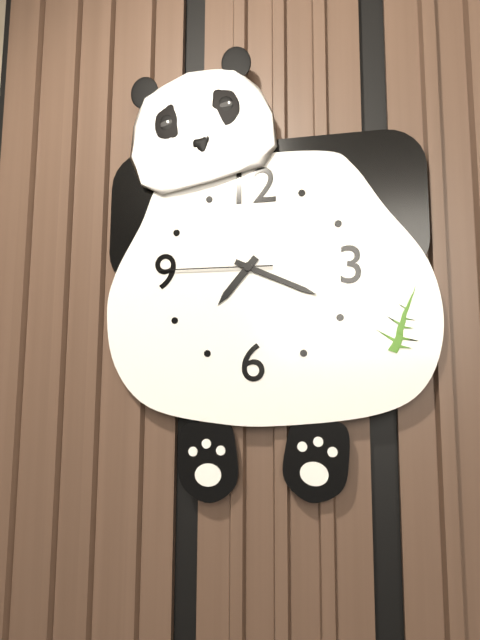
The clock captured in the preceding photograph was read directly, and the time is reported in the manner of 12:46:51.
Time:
7:19:45
